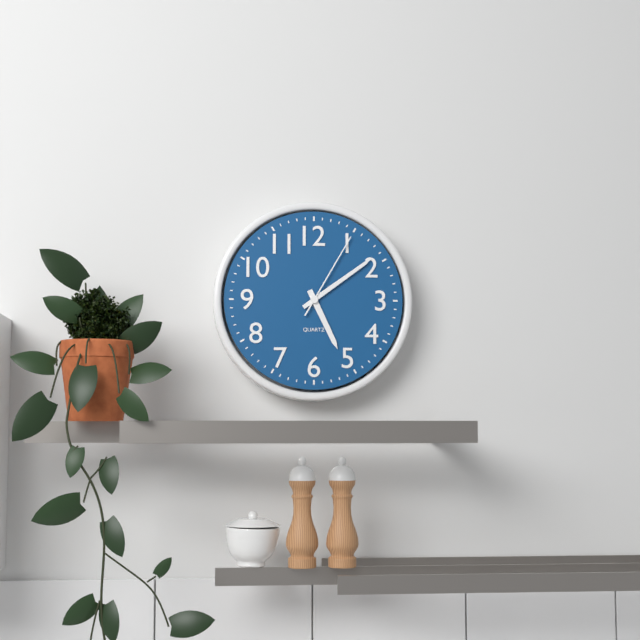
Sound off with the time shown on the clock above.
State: 5:09:05
